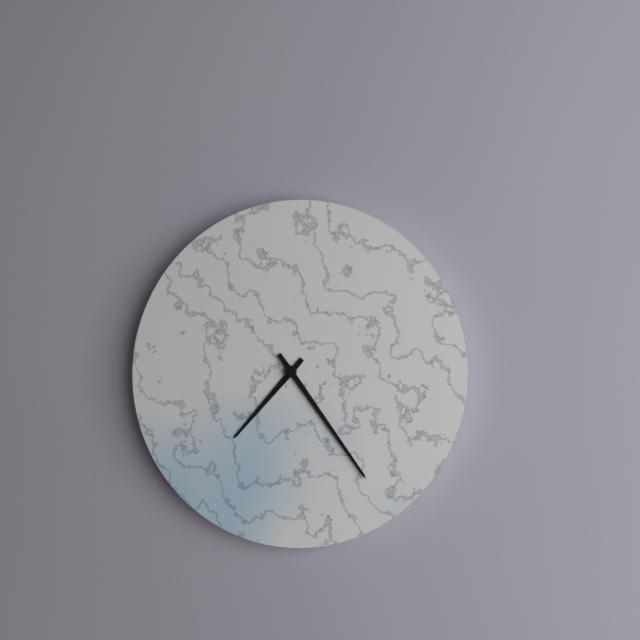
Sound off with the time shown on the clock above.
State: 7:24
